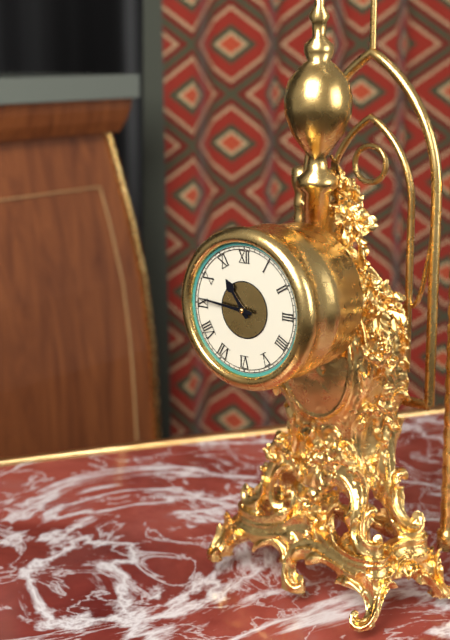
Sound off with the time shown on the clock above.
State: 10:46
